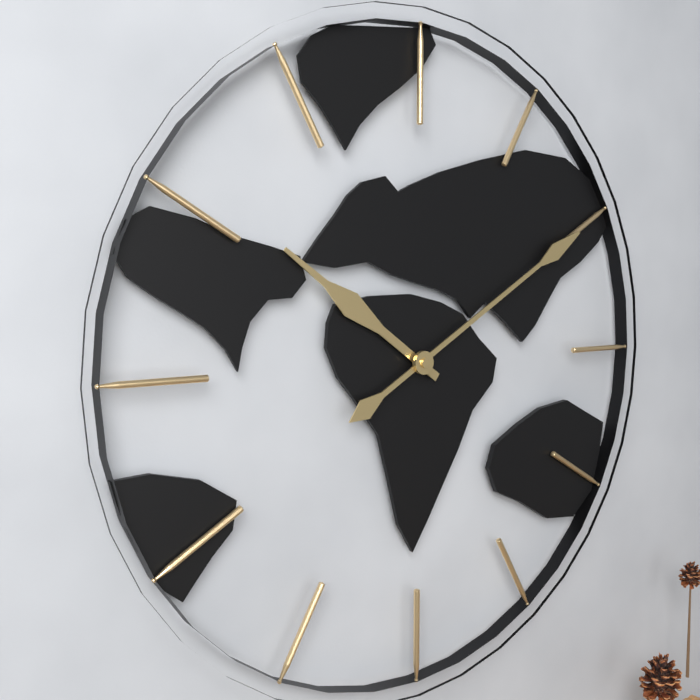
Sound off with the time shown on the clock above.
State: 10:10
